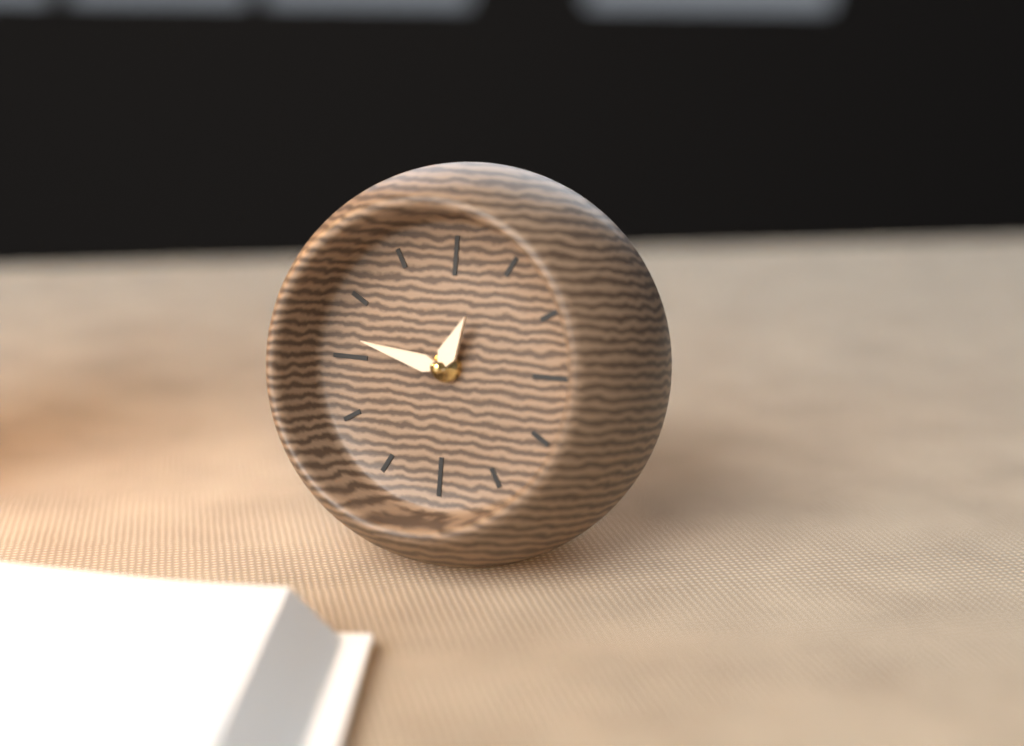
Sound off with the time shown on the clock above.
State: 12:47
